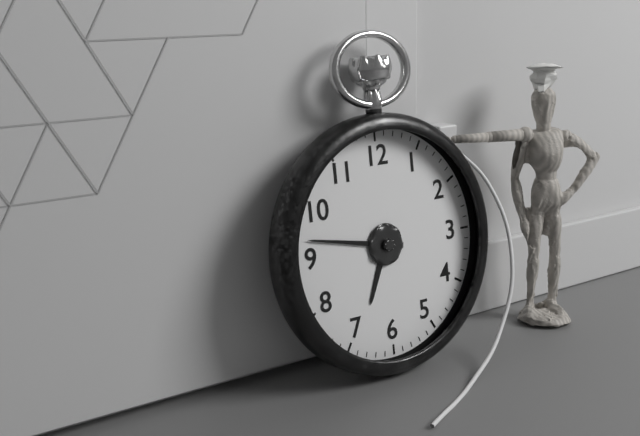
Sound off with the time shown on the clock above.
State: 6:47
